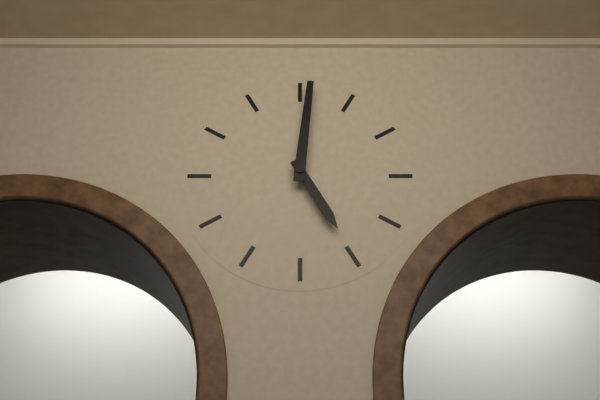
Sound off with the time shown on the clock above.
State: 5:01
